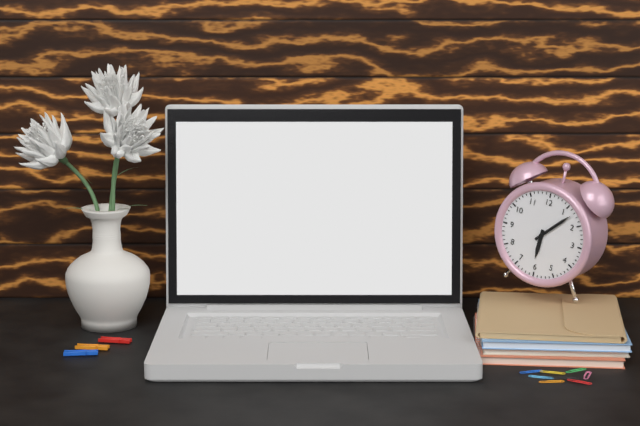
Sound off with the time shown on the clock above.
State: 6:07
